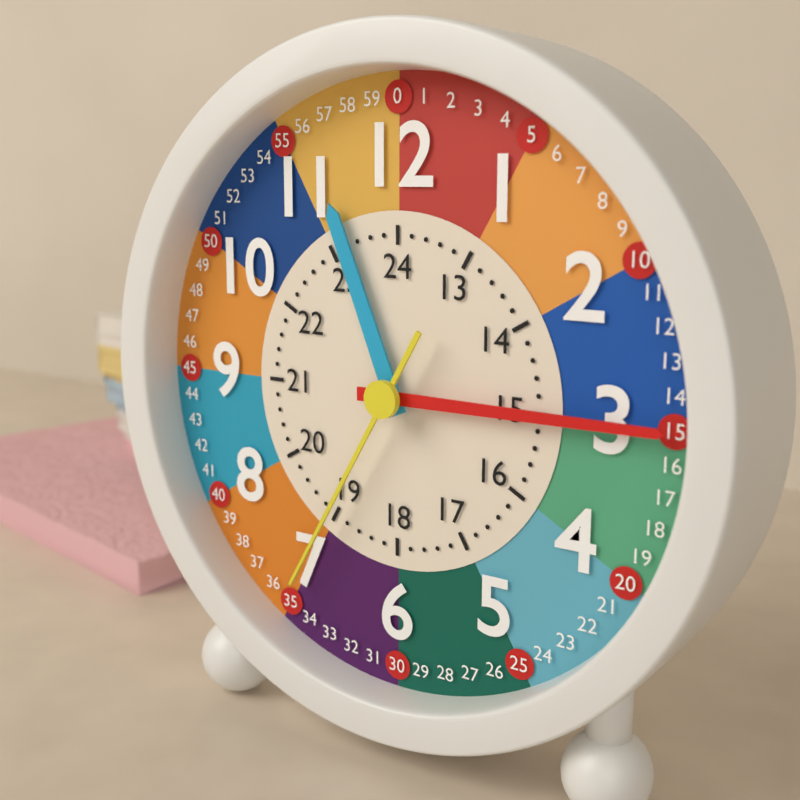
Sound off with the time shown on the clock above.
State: 11:15:35
